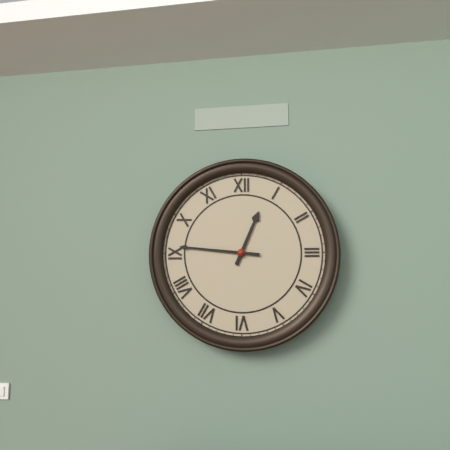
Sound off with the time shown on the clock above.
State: 12:46
